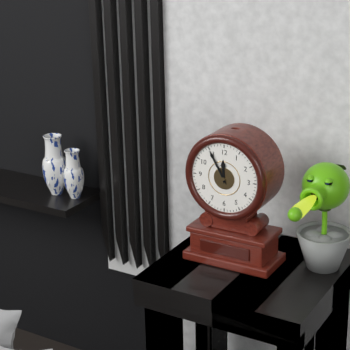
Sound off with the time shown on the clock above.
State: 11:55
